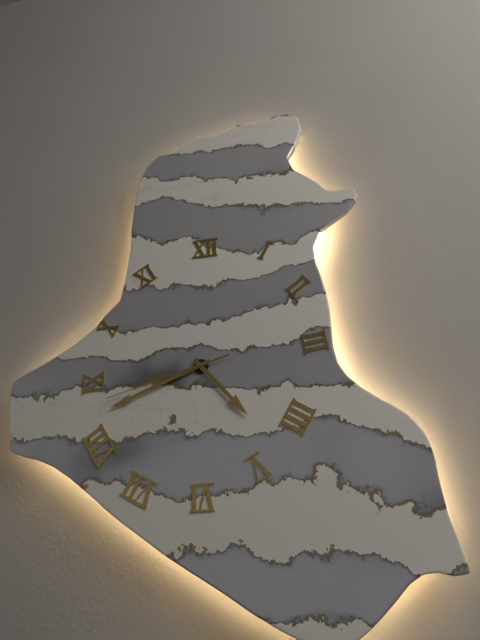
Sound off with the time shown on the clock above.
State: 4:42:43
